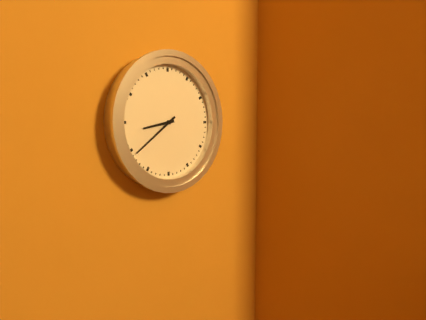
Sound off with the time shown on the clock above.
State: 8:39
